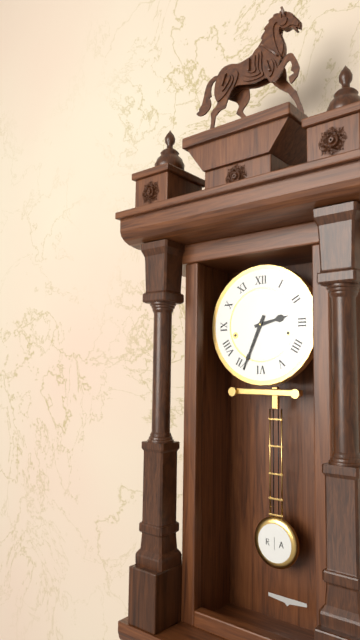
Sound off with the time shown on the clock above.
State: 2:34
